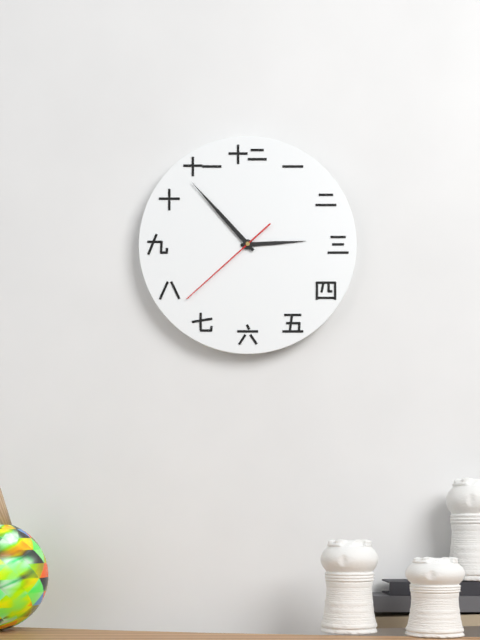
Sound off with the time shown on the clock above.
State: 2:53:38
